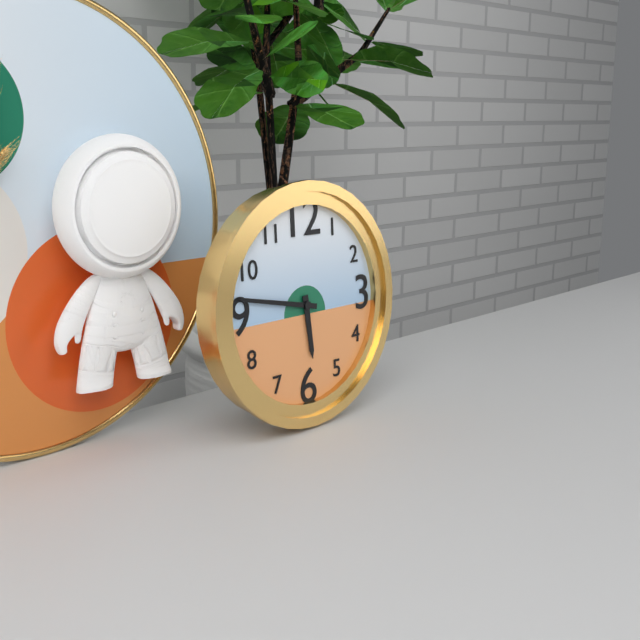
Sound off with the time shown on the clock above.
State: 5:47
